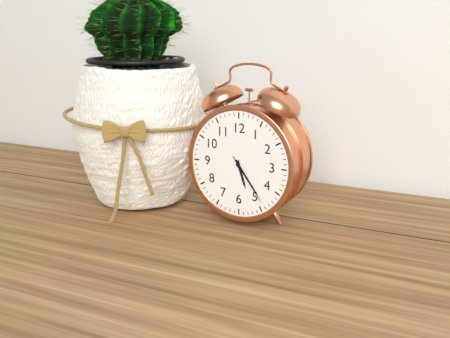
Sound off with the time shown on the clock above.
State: 5:24:24
